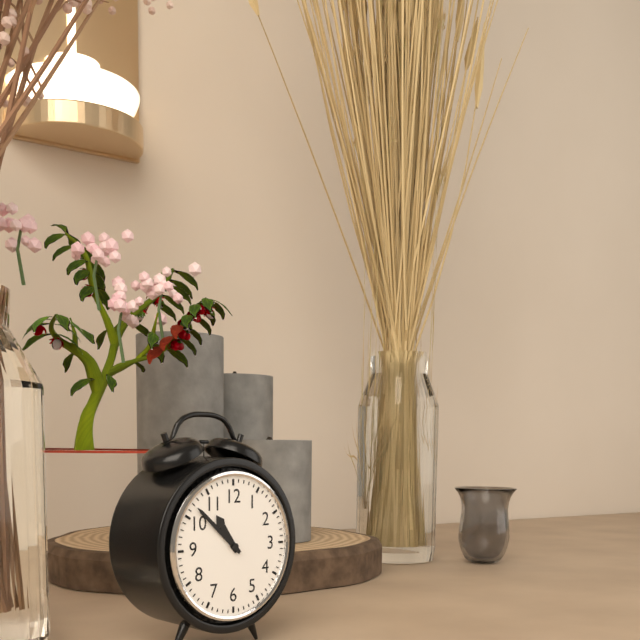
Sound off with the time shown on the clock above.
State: 10:52
